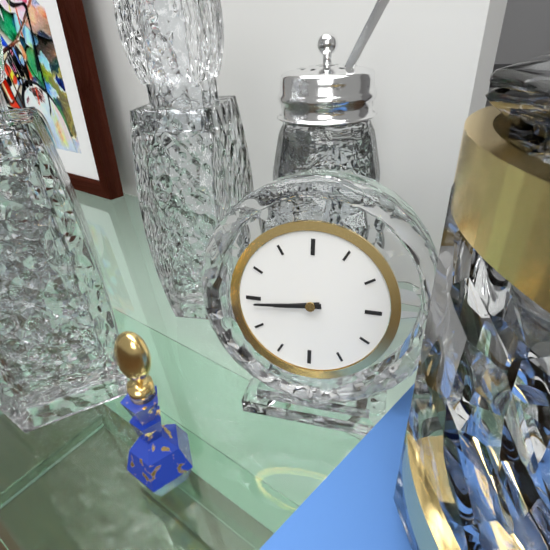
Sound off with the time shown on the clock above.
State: 8:44
